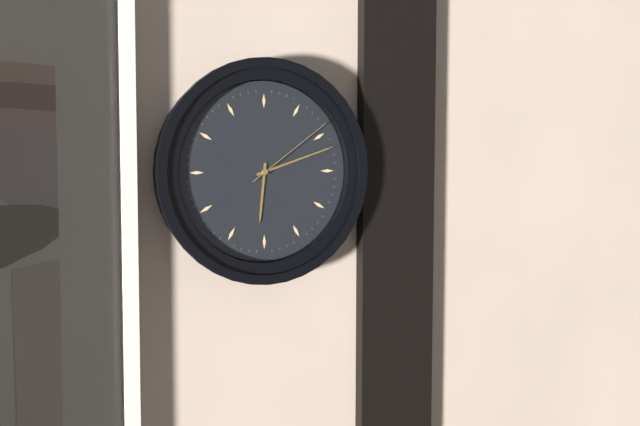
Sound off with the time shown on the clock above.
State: 6:12:09
